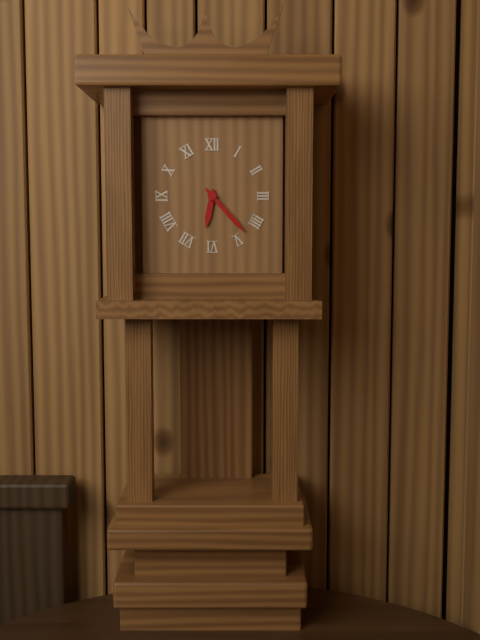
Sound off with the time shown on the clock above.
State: 6:23
